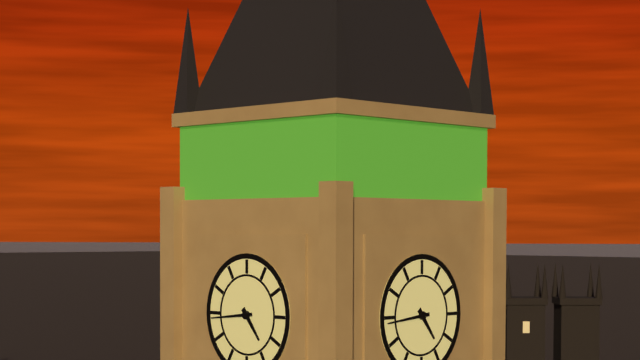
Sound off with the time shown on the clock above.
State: 4:44
